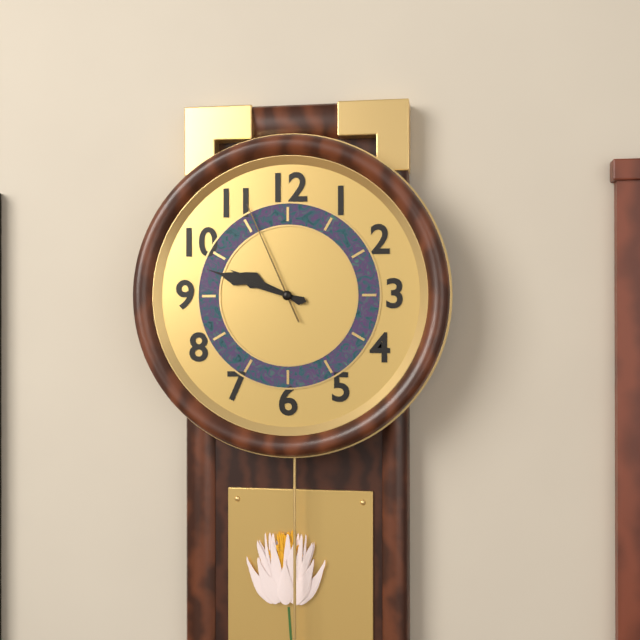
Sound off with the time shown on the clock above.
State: 9:48:56
